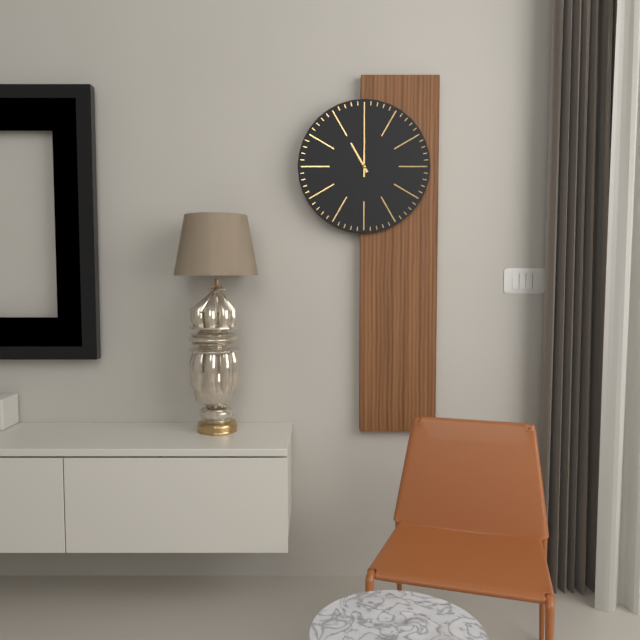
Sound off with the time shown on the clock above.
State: 11:00
